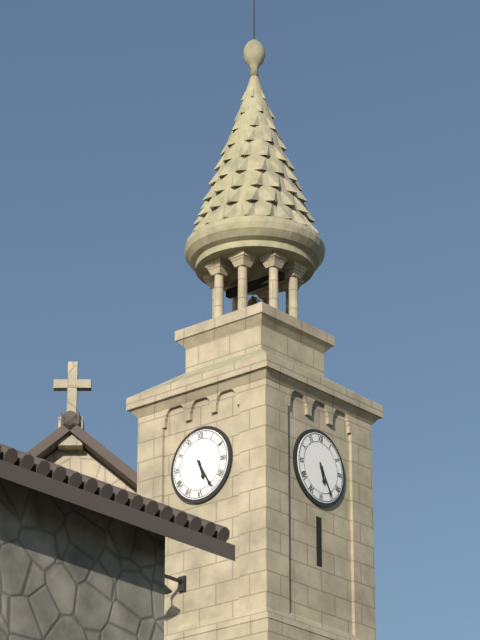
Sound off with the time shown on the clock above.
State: 5:25
